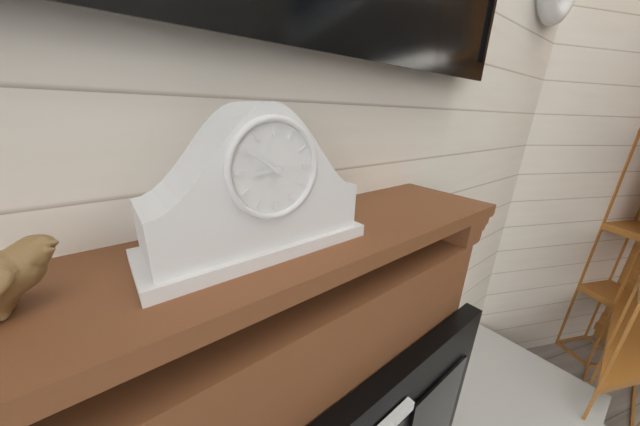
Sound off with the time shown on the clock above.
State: 8:51
